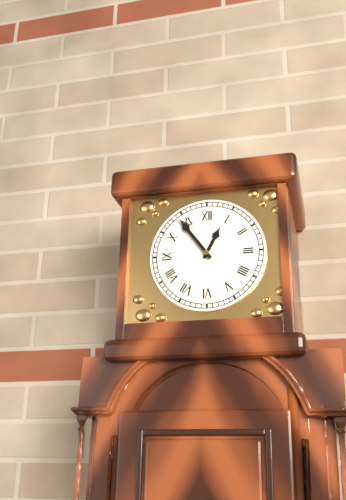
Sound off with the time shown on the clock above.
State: 12:54
